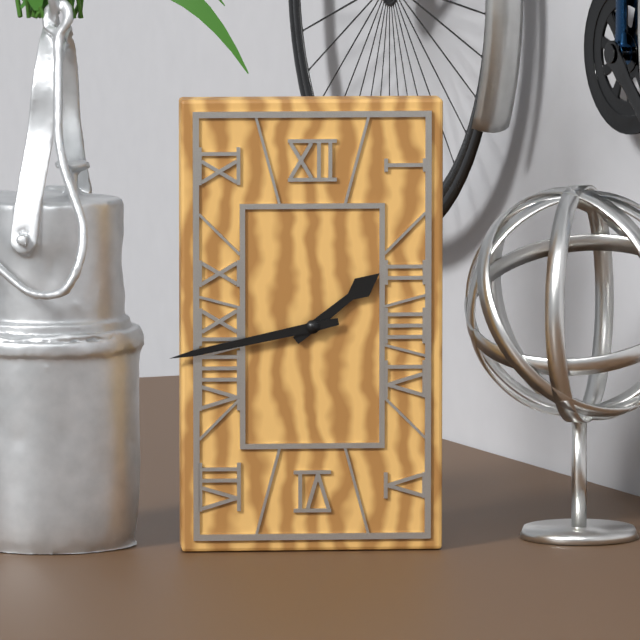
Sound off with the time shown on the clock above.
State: 1:43
